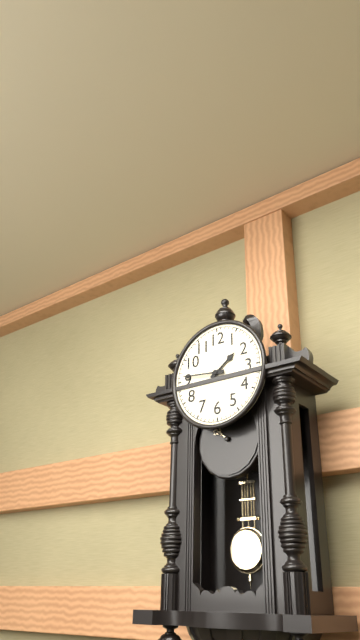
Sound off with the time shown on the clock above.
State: 1:46
